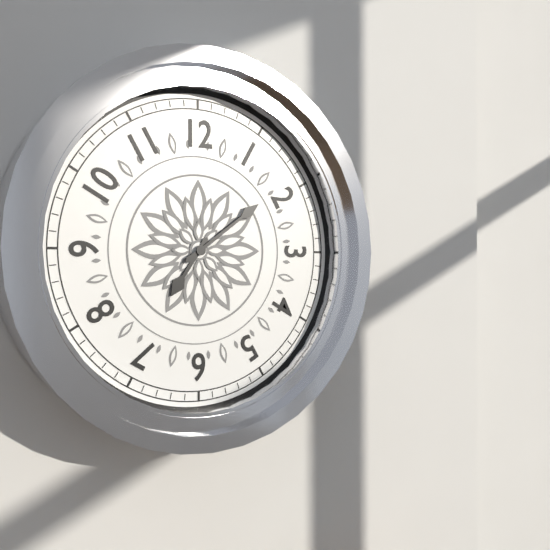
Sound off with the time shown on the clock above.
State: 7:09
